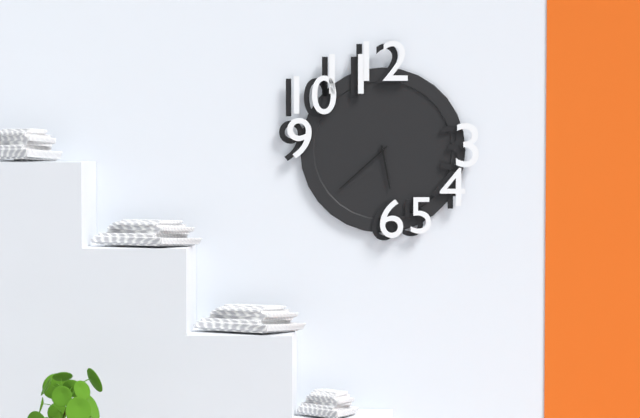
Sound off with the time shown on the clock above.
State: 5:38
